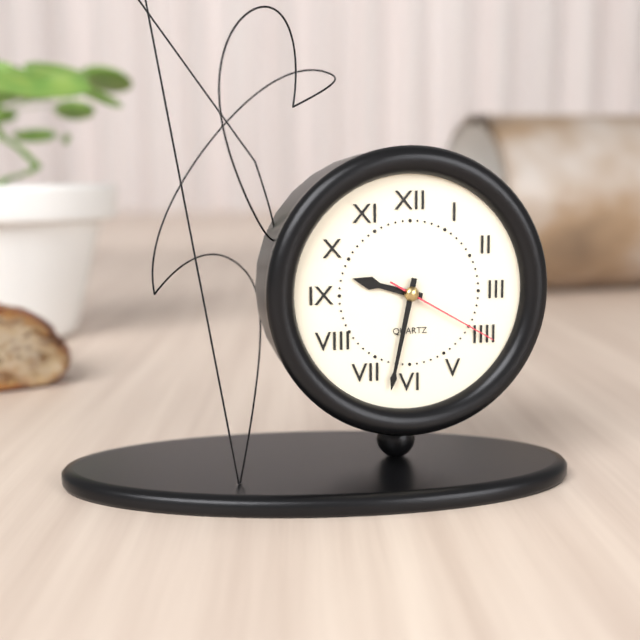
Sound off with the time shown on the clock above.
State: 9:32:20
